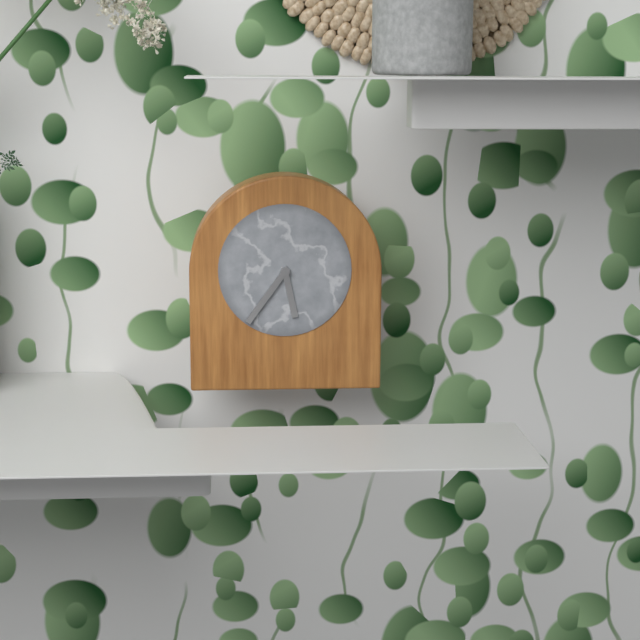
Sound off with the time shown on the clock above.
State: 5:36
